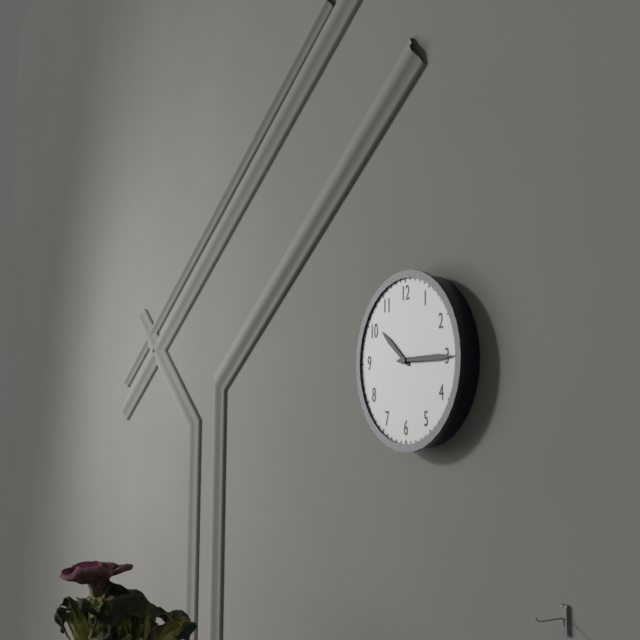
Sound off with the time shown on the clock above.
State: 10:15
